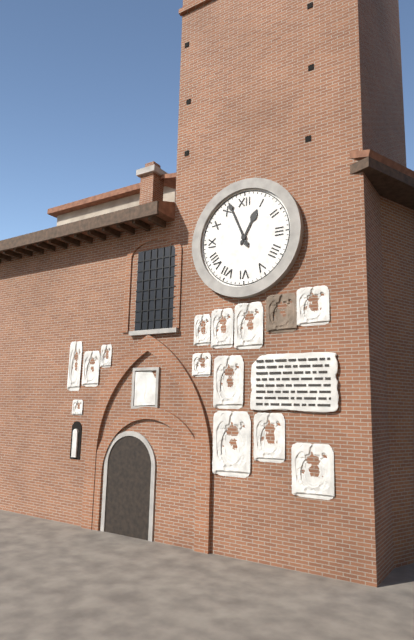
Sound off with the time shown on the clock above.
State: 12:56
